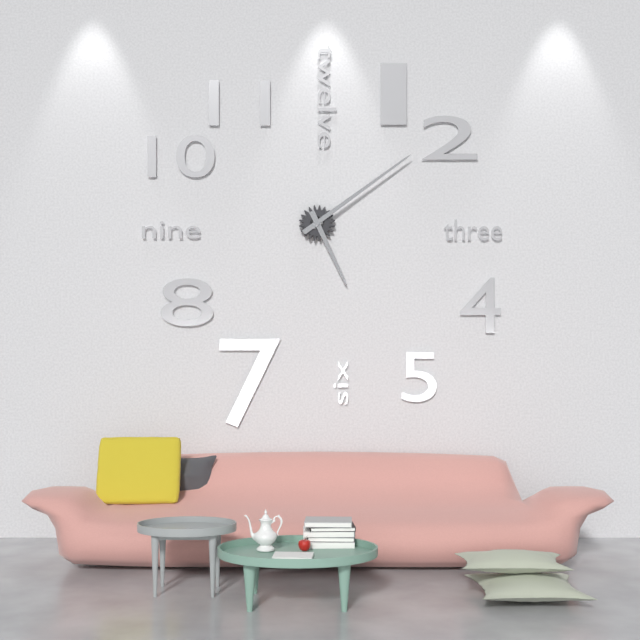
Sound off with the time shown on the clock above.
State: 5:09
